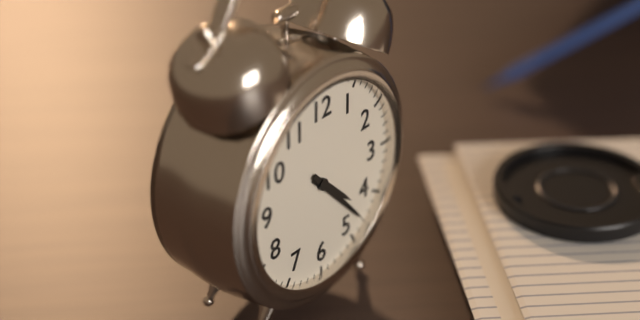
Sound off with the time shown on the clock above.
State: 4:23
